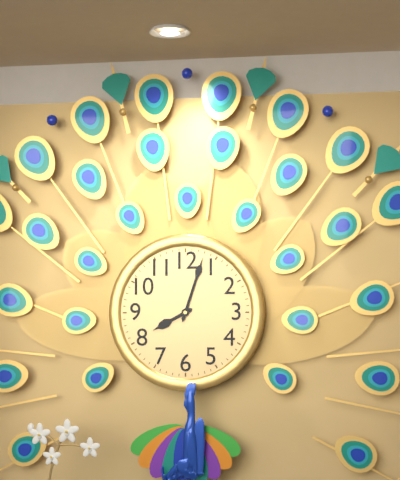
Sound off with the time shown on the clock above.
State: 8:03
